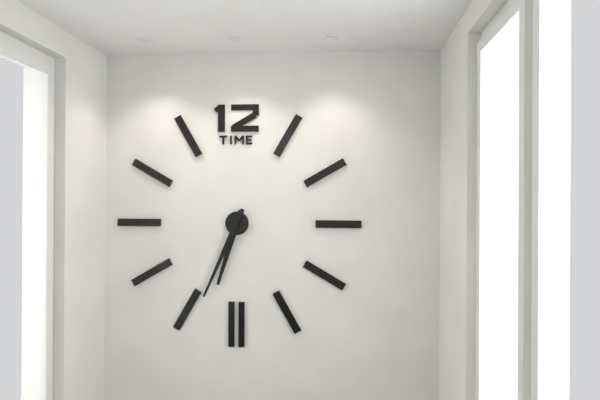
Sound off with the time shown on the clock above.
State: 6:34
